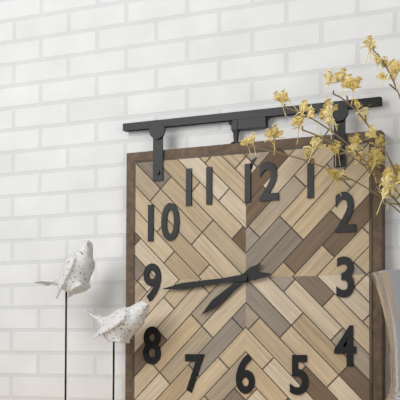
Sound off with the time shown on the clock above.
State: 7:44
